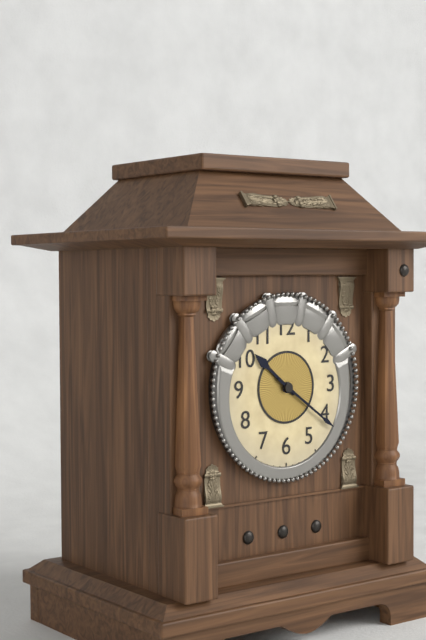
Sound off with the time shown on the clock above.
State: 10:21
